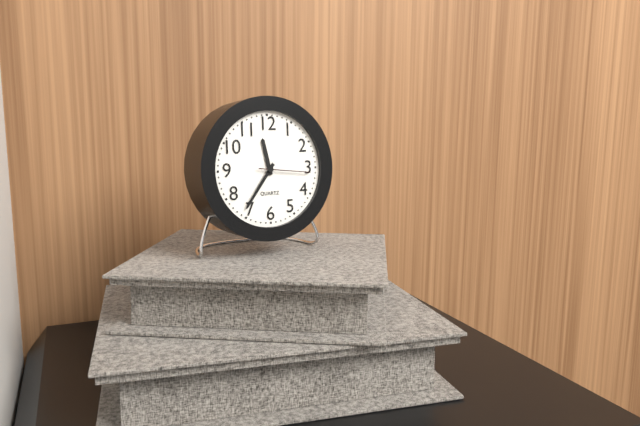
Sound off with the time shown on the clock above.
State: 11:36:16
